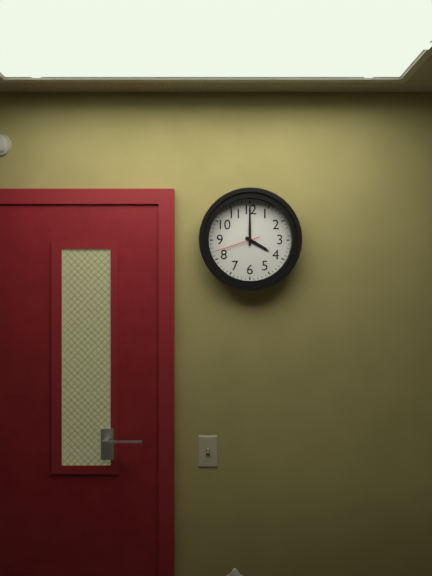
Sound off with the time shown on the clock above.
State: 4:00
